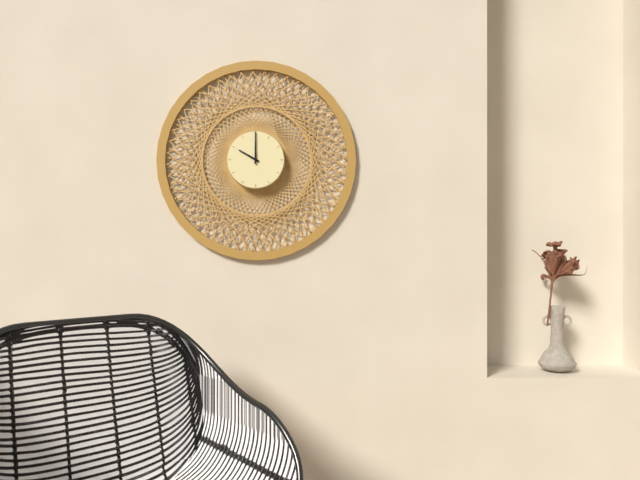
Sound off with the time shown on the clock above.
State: 10:00
